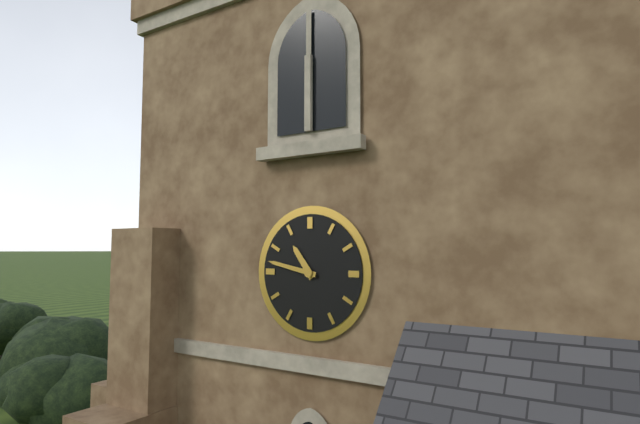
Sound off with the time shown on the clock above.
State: 10:47
